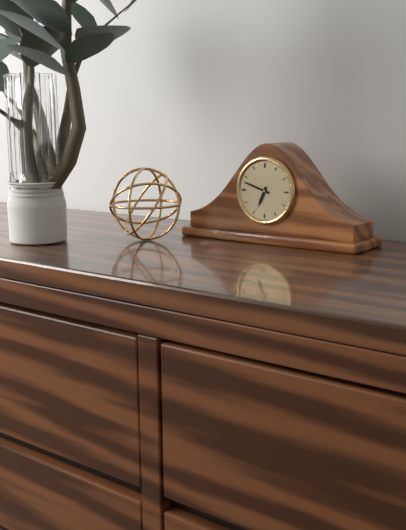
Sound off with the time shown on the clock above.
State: 6:48
